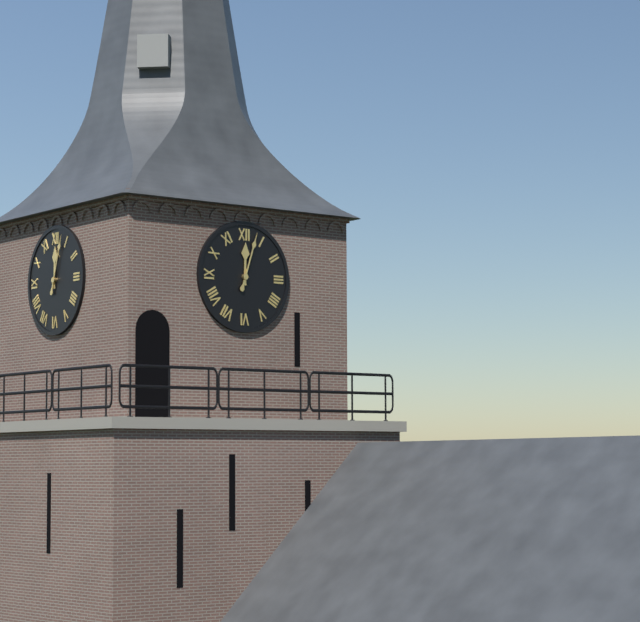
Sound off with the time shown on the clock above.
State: 12:03
